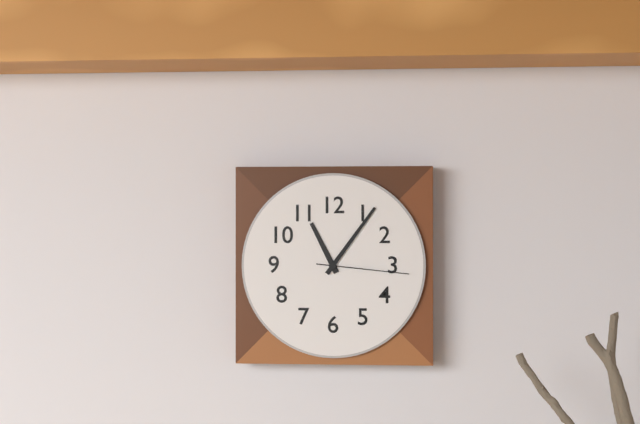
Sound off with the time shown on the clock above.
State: 11:06:16
